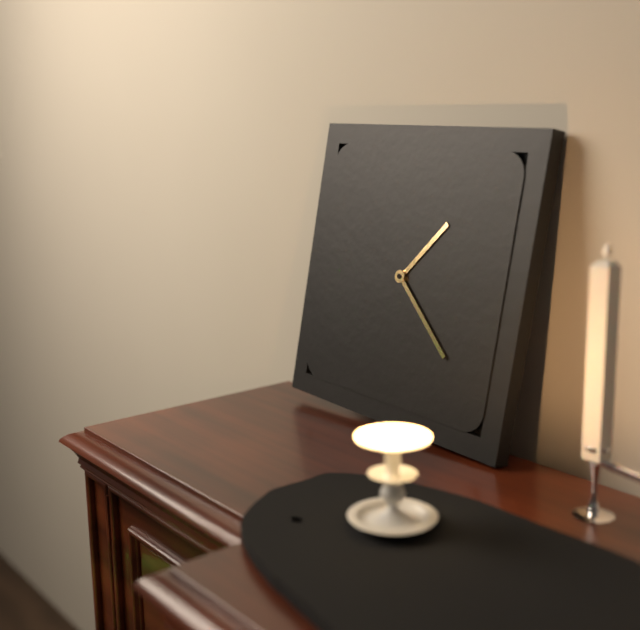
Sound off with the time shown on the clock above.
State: 1:22
